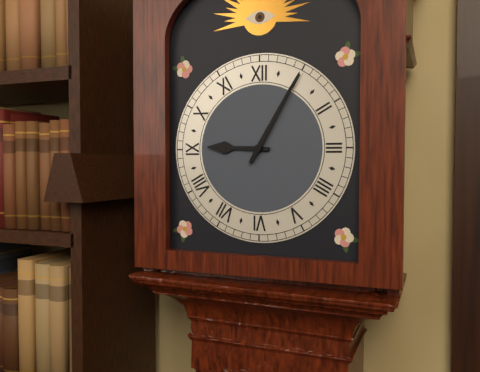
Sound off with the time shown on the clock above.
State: 9:05
